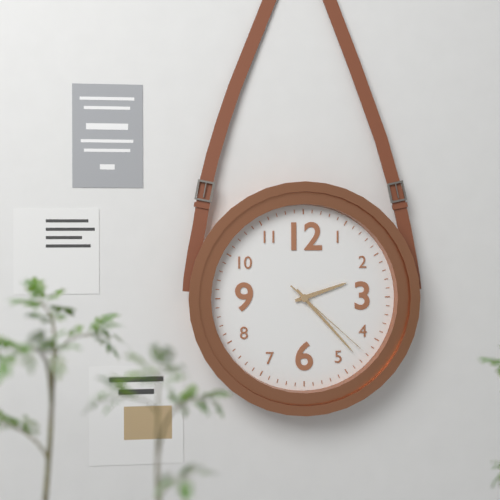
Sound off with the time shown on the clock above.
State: 2:23:22
